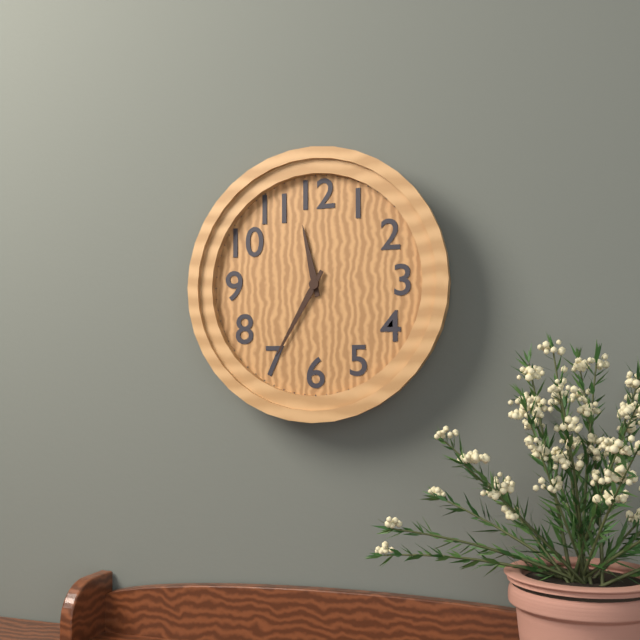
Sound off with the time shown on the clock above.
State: 11:35
